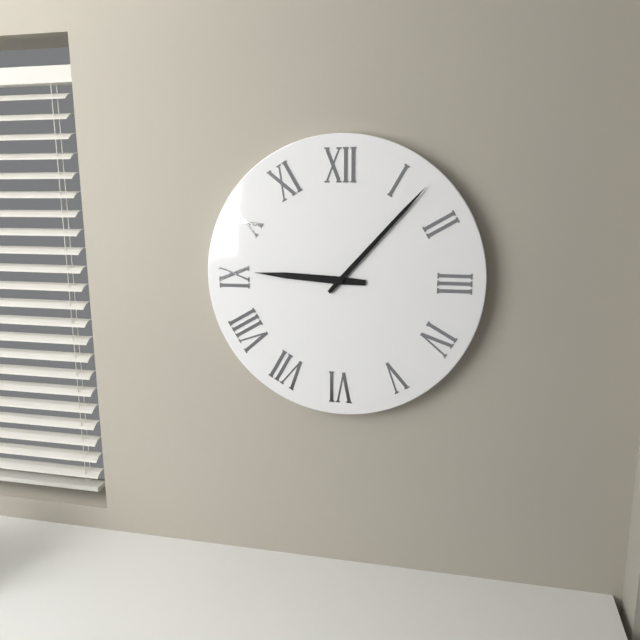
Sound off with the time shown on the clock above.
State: 9:07
